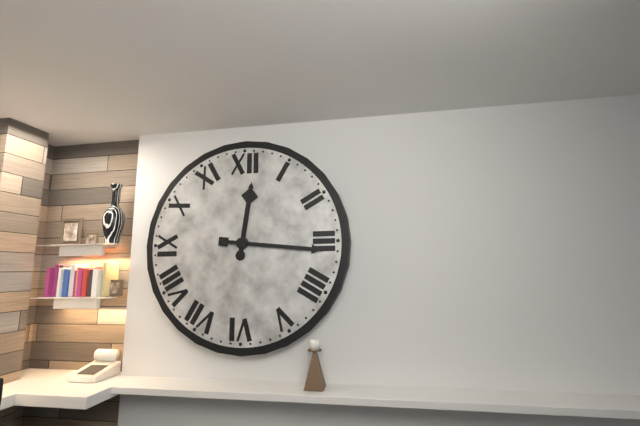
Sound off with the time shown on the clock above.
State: 12:16
